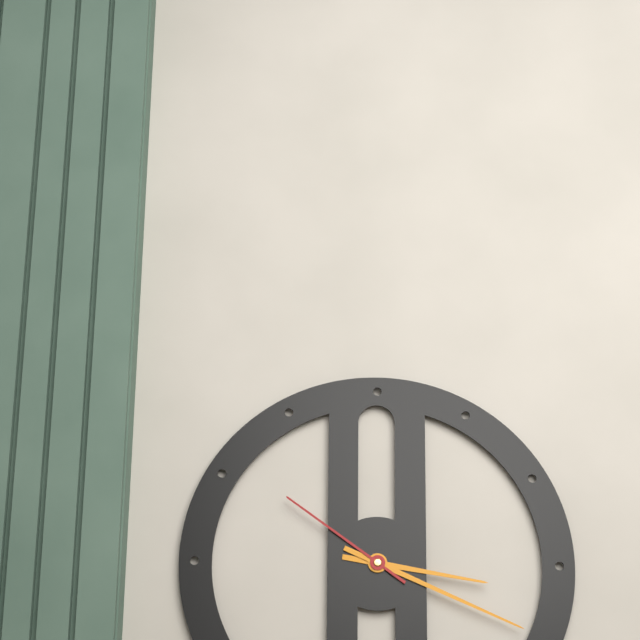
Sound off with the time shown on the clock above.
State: 3:19:51
